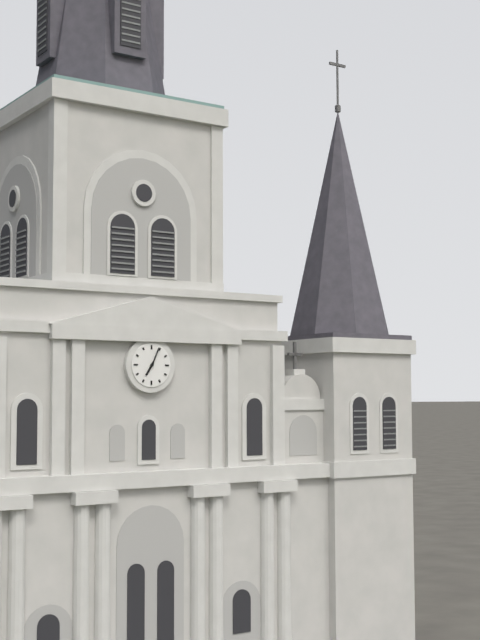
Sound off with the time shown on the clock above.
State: 7:04
